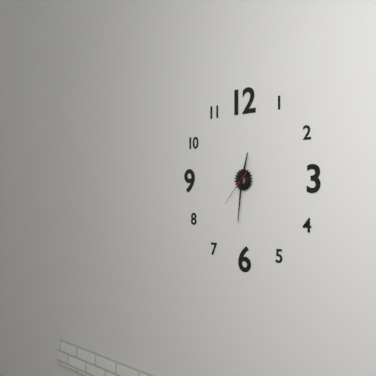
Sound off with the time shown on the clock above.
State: 12:31
